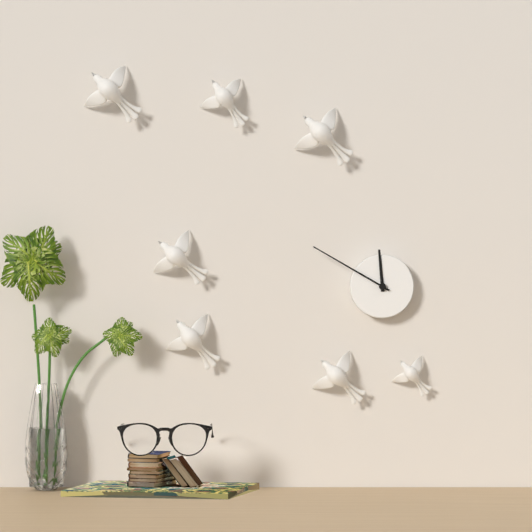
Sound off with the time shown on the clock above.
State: 11:50
